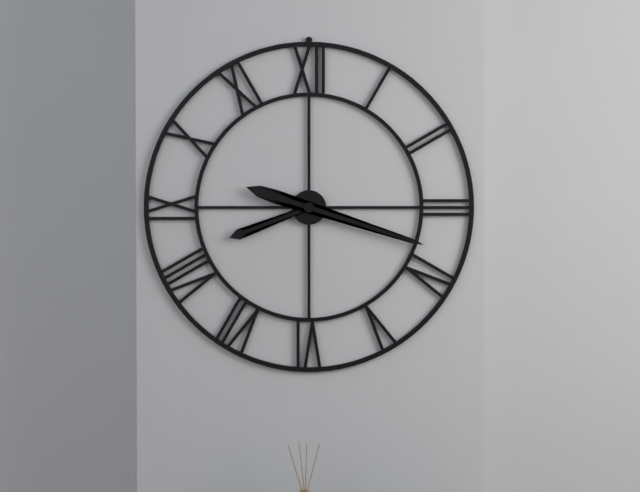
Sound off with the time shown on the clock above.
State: 8:18
